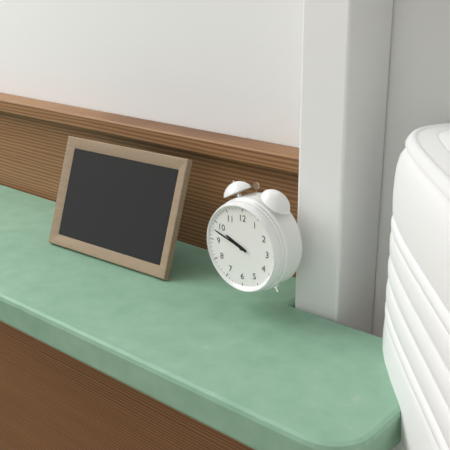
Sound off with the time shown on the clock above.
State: 9:48
